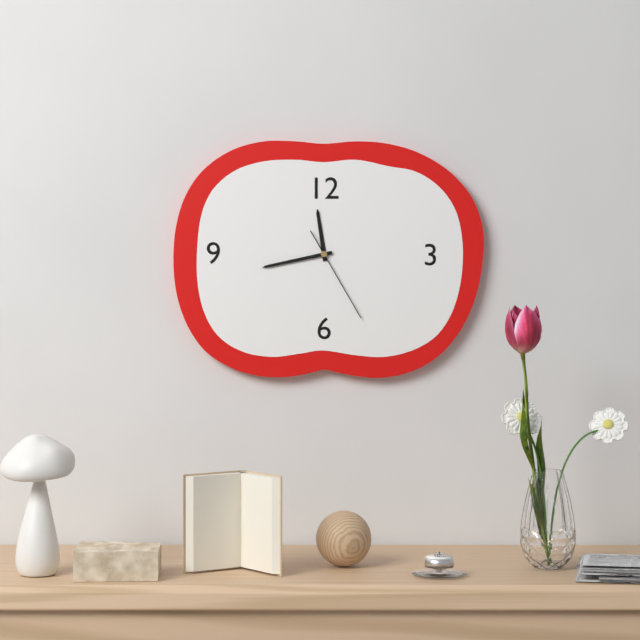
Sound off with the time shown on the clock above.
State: 11:43:25
